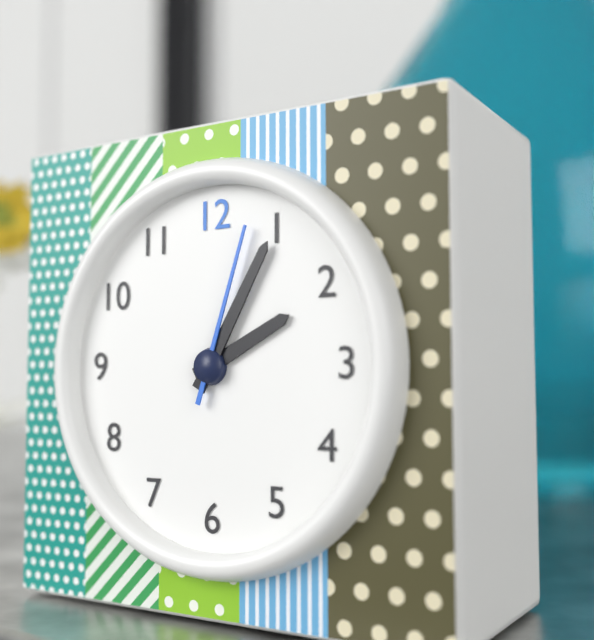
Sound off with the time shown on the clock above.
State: 2:05:03
